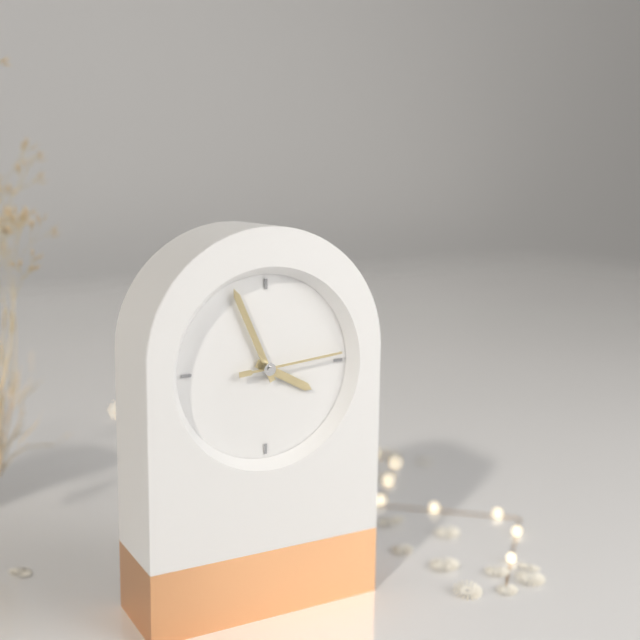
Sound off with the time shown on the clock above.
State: 3:56:14
